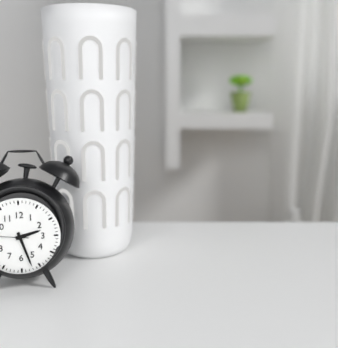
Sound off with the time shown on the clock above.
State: 2:27
